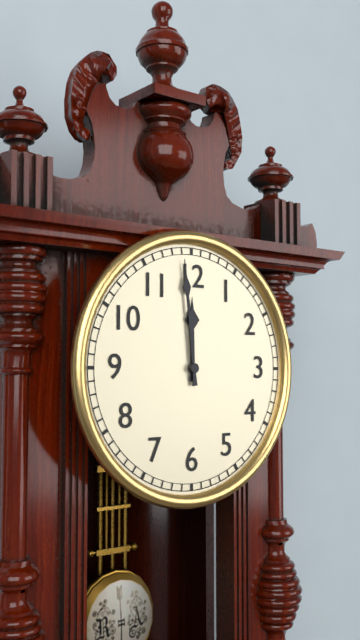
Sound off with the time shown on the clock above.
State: 11:59
